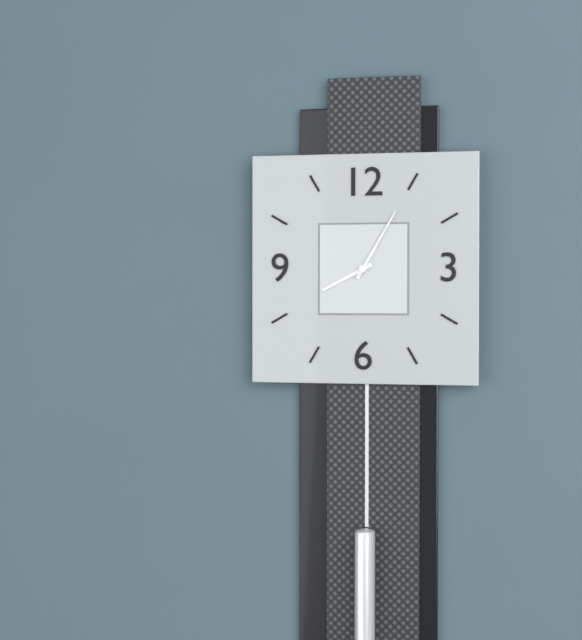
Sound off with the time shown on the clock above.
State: 8:05
